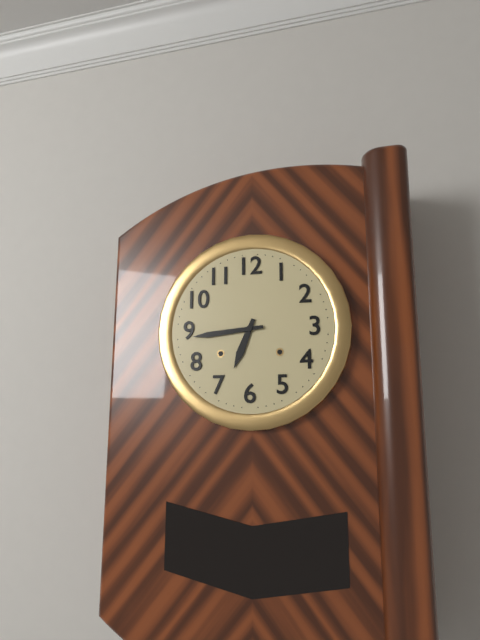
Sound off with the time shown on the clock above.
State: 6:44
